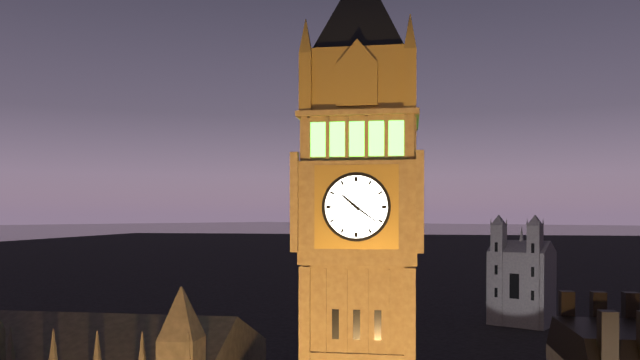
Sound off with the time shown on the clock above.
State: 10:21
